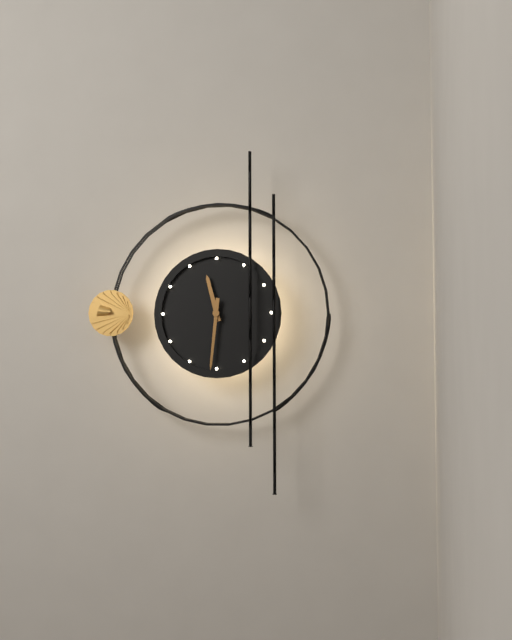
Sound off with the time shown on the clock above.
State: 11:31
